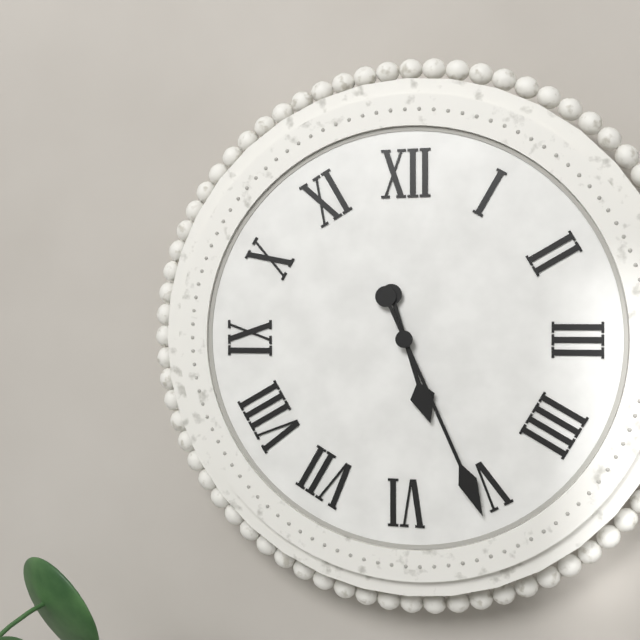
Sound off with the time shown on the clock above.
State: 5:26
